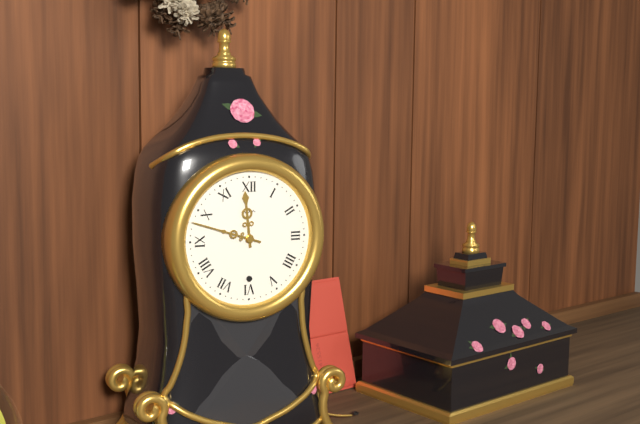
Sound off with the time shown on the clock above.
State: 11:48
